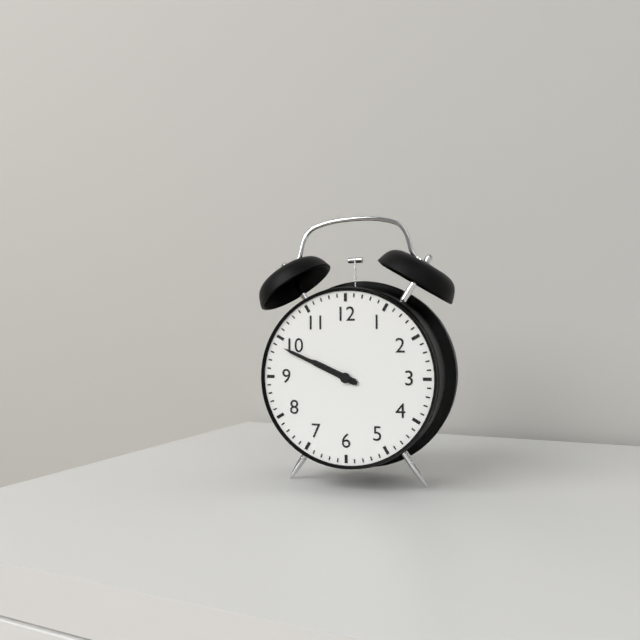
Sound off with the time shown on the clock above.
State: 9:49
